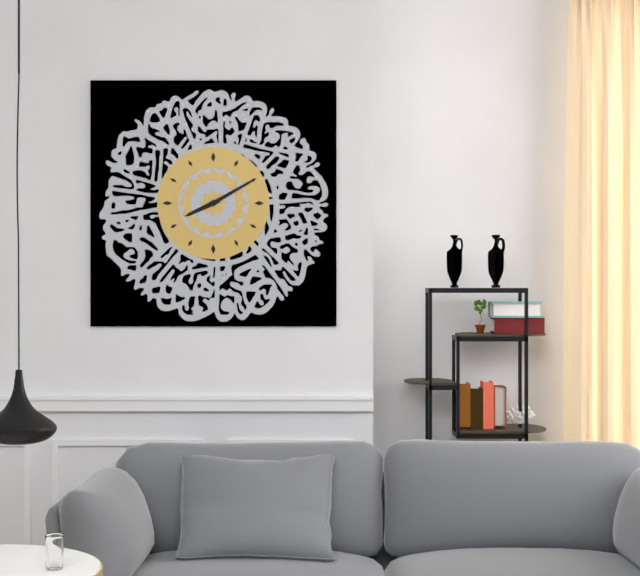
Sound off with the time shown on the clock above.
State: 8:10
